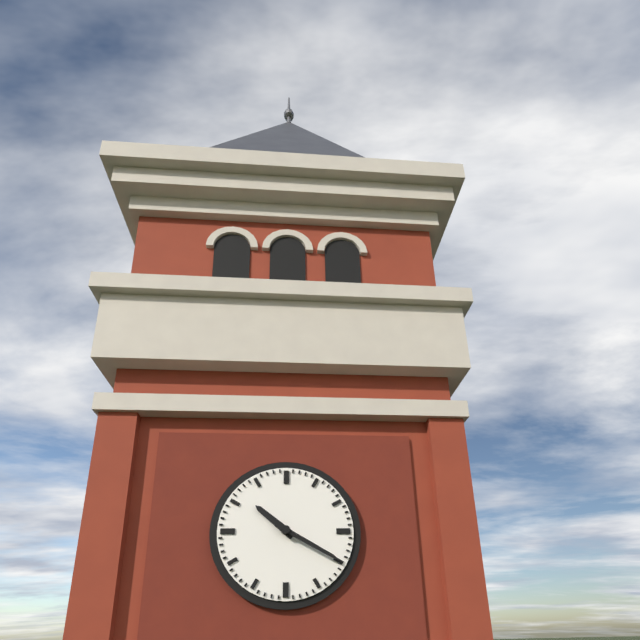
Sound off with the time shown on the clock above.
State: 10:20
